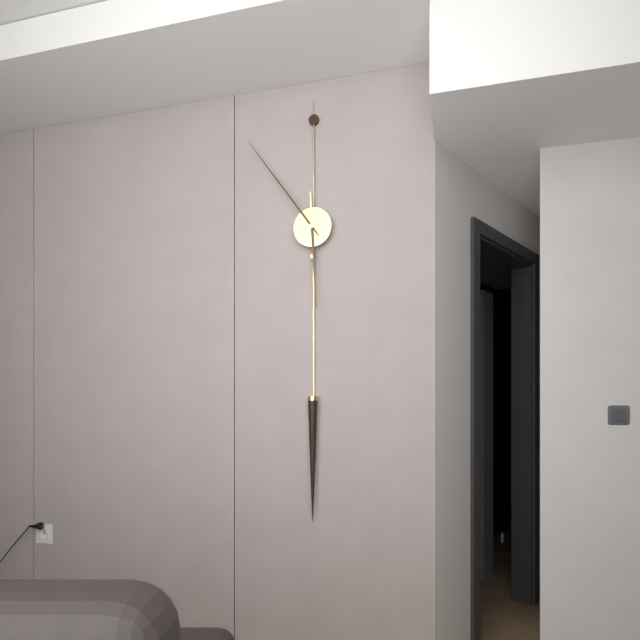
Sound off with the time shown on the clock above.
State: 5:54
